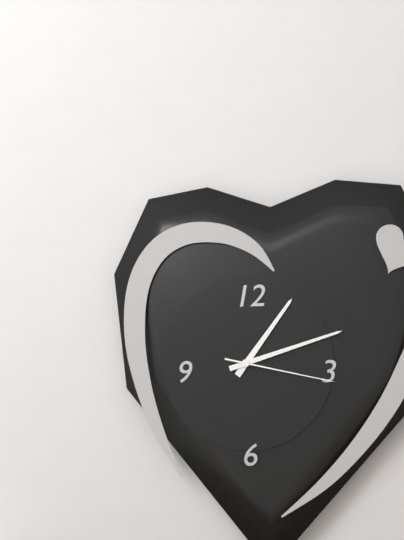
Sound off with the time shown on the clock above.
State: 1:12:17
